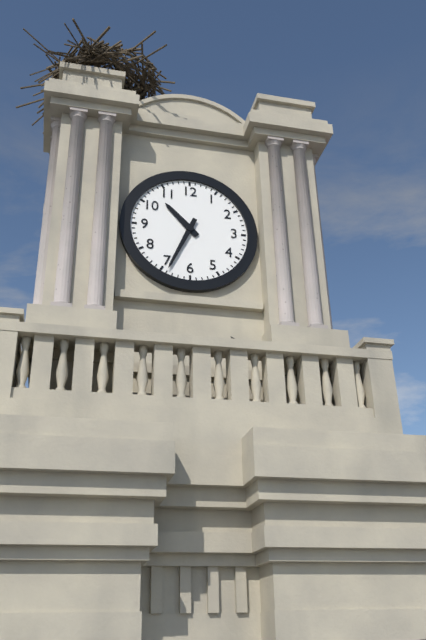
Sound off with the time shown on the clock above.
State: 10:34
